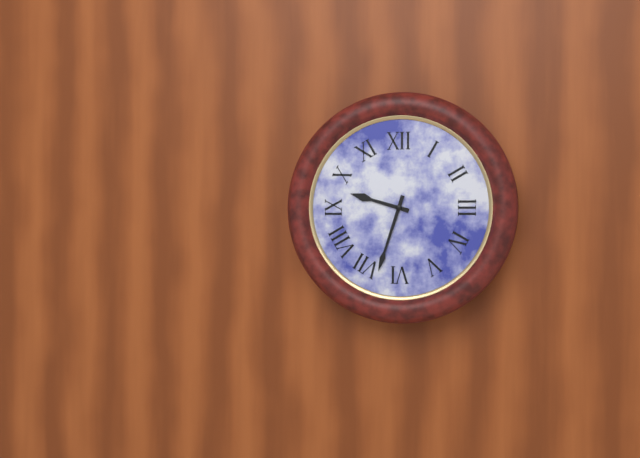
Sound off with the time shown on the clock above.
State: 9:33
